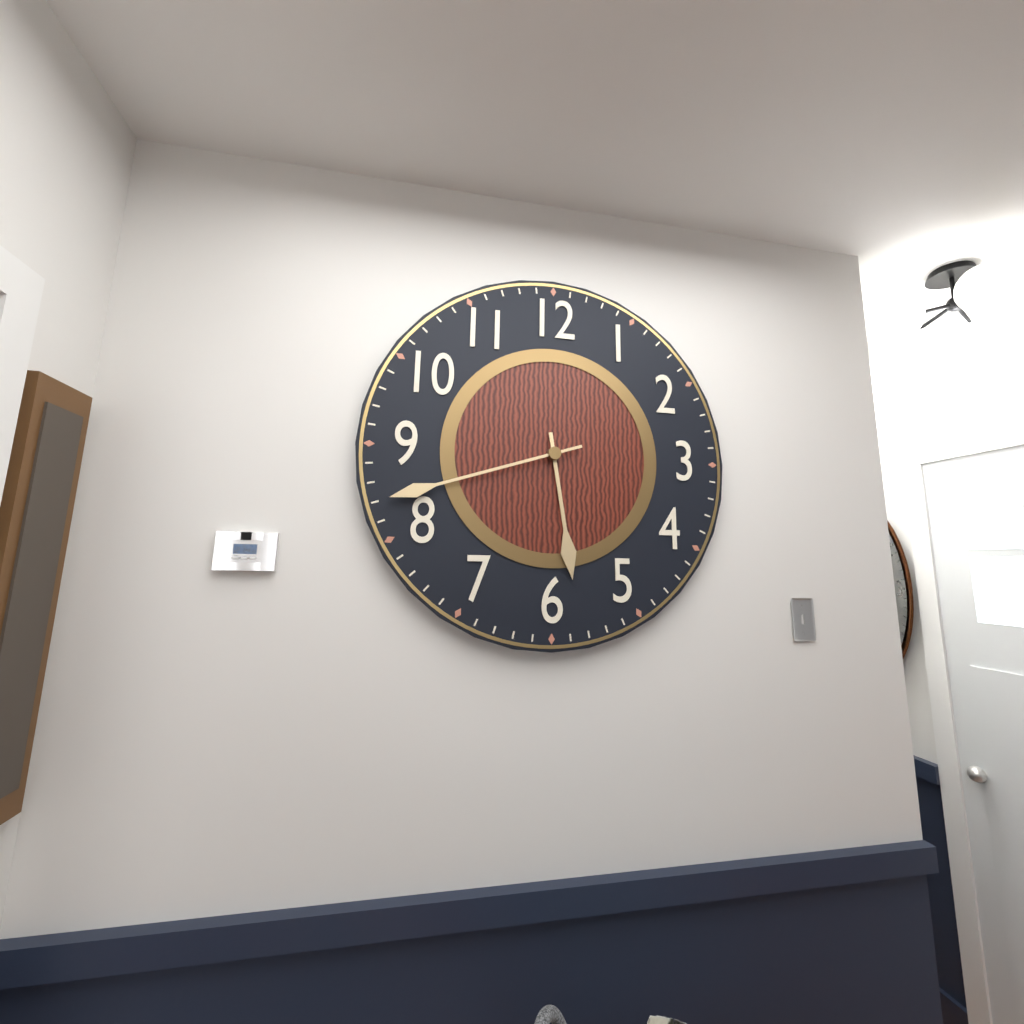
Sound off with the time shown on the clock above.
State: 5:42
